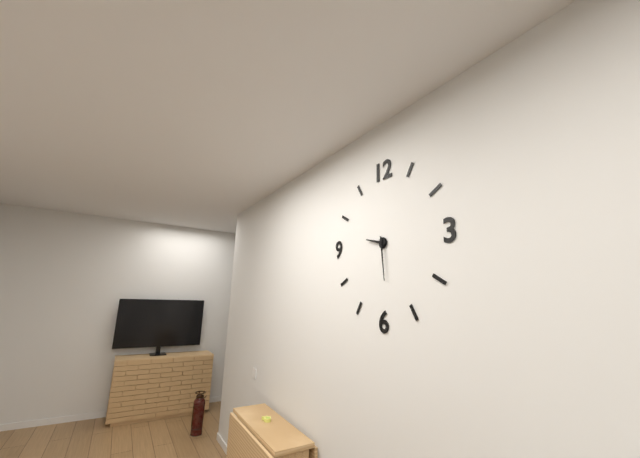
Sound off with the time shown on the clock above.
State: 9:29
